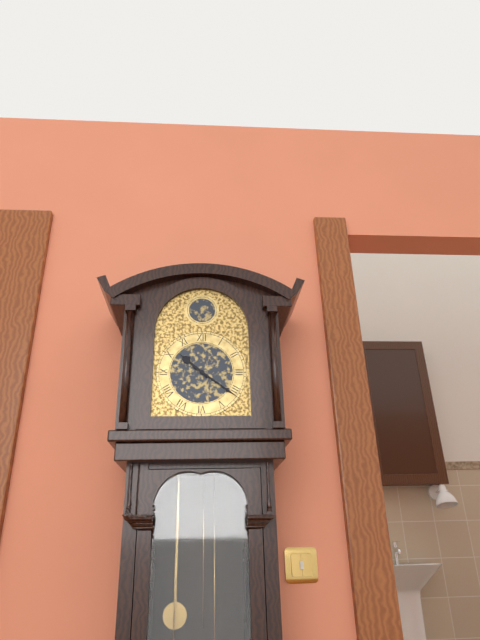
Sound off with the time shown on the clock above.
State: 10:21
